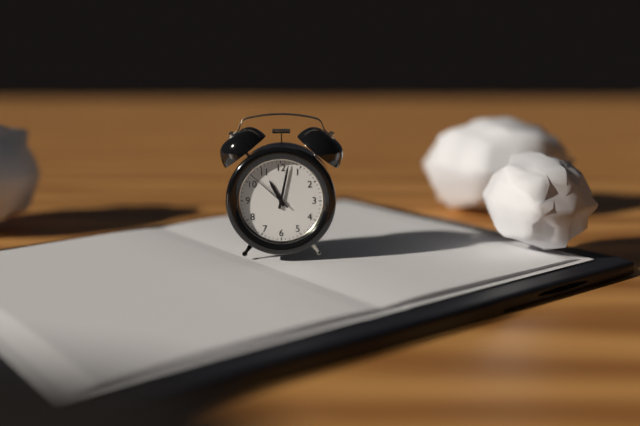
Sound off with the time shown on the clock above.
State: 11:02:52
